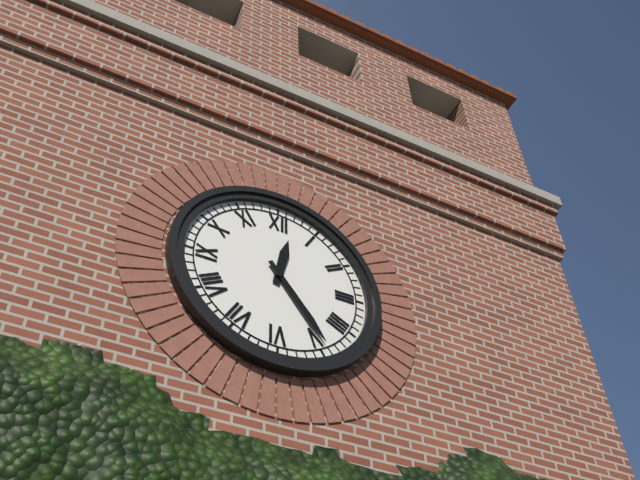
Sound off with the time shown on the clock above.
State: 12:24
